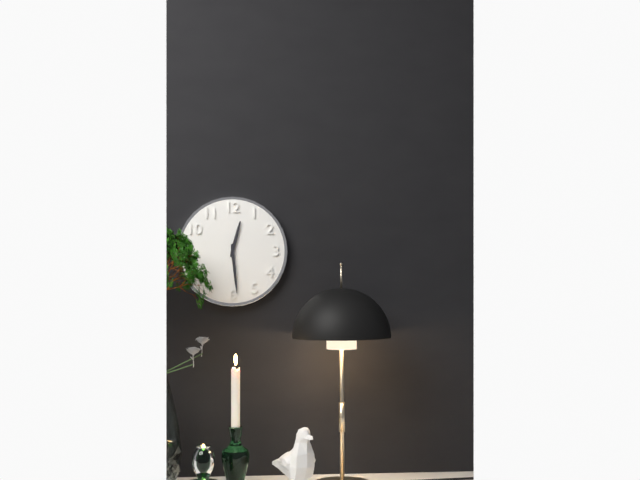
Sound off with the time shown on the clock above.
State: 12:29
